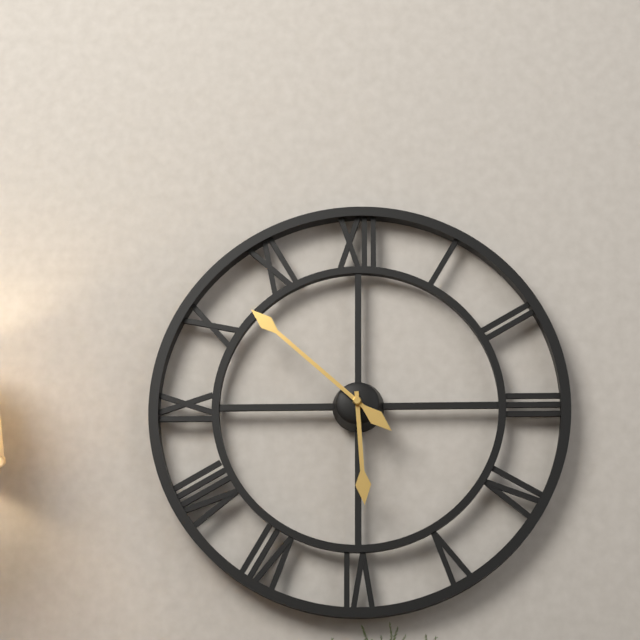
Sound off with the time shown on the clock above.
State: 5:52
